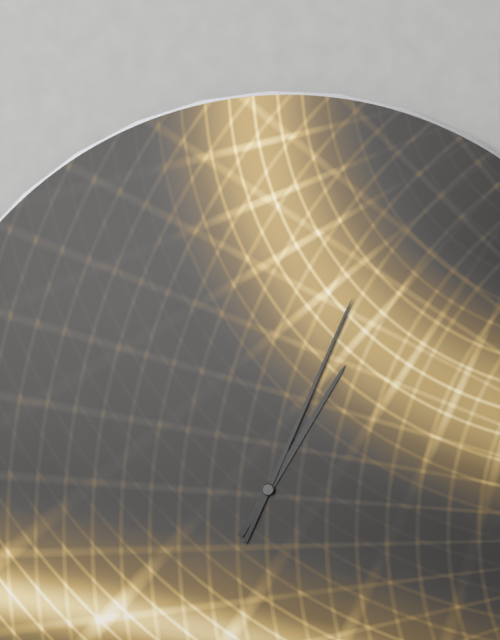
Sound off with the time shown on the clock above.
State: 1:04
